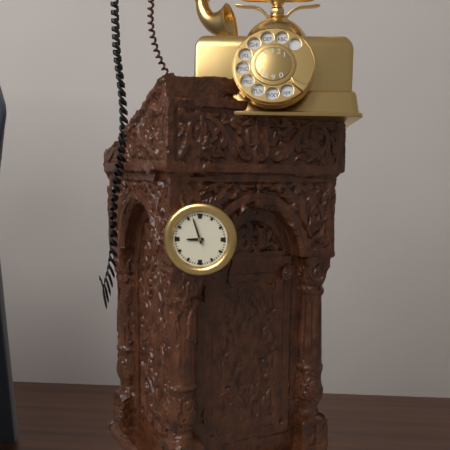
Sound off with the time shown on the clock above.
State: 8:57
